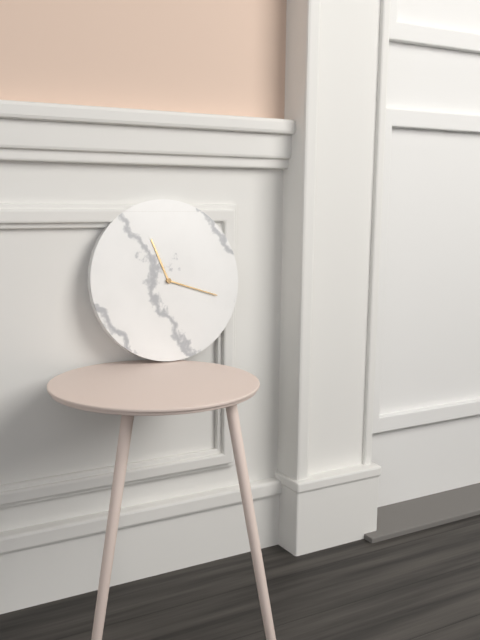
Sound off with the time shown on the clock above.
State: 11:18
